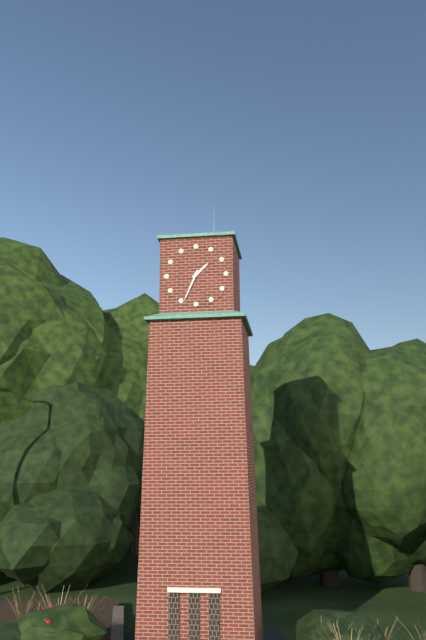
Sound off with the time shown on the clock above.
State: 1:34
